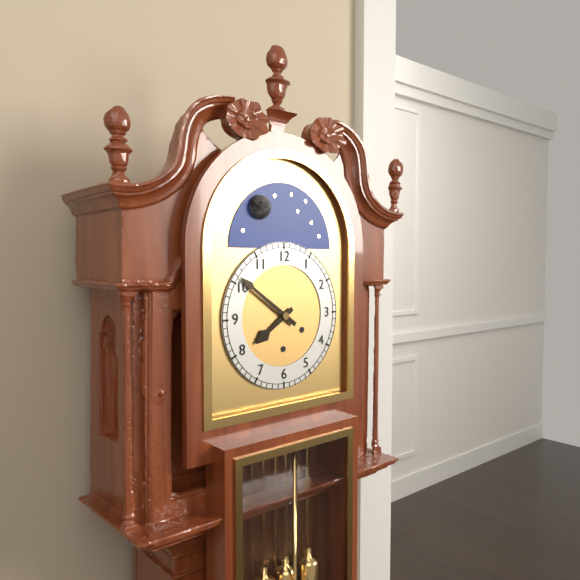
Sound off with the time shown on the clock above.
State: 7:51
